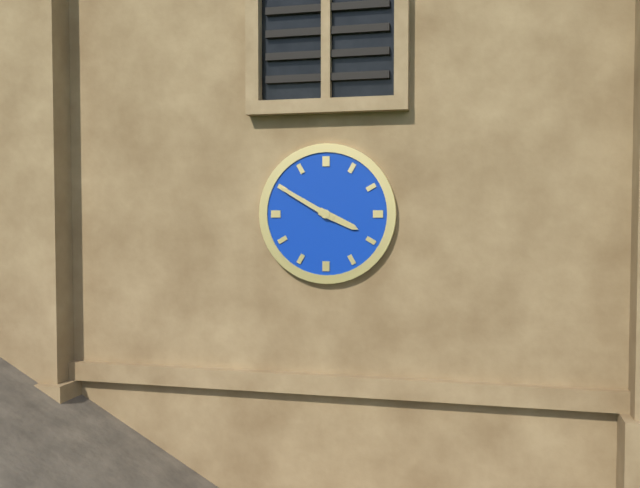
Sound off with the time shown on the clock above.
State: 3:50
